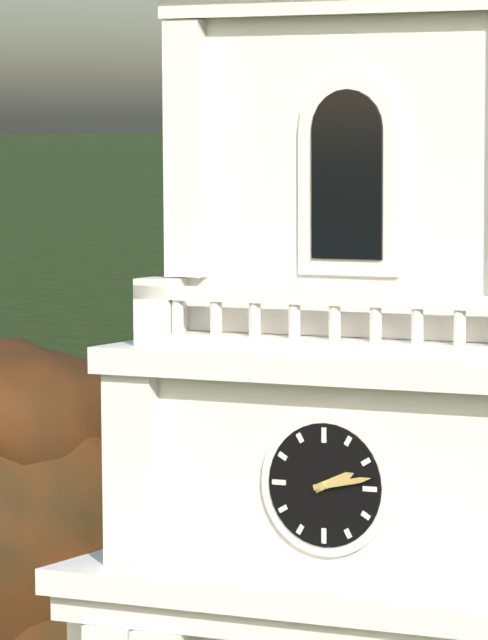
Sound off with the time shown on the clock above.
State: 2:13
